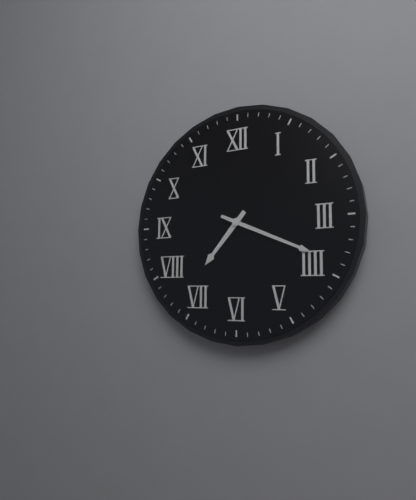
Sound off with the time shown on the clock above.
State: 7:19
